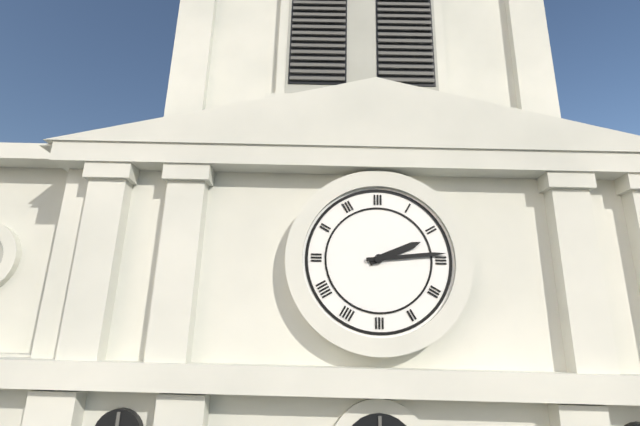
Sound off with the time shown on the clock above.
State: 2:14
